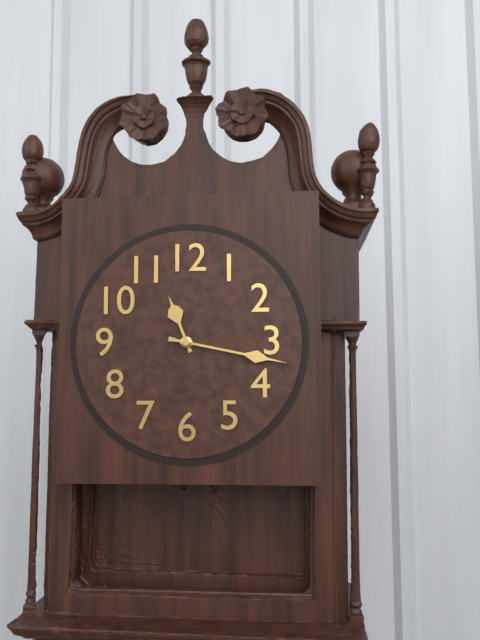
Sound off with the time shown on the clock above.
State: 11:17
